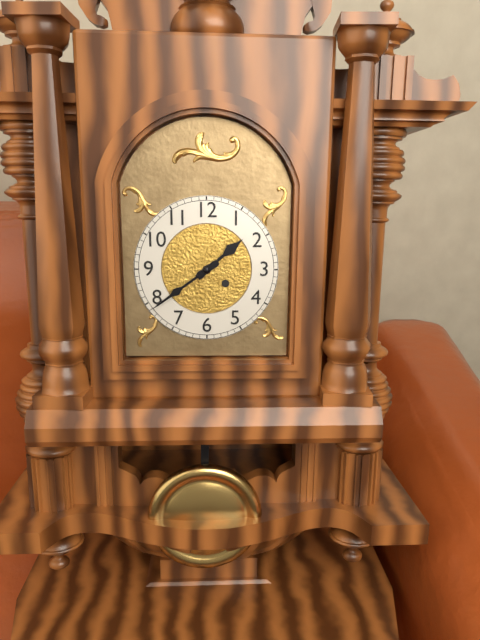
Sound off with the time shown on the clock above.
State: 1:39
